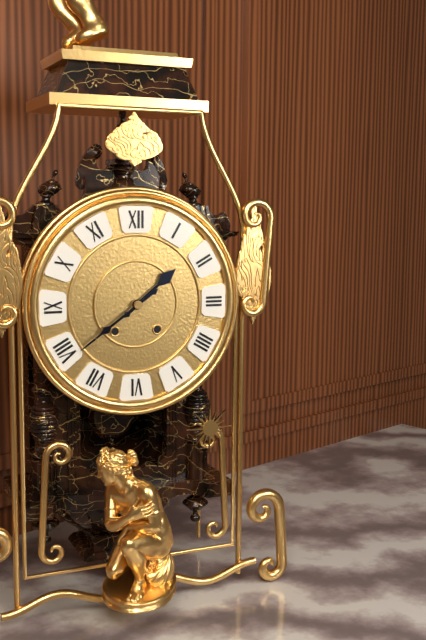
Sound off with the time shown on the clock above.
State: 1:39
